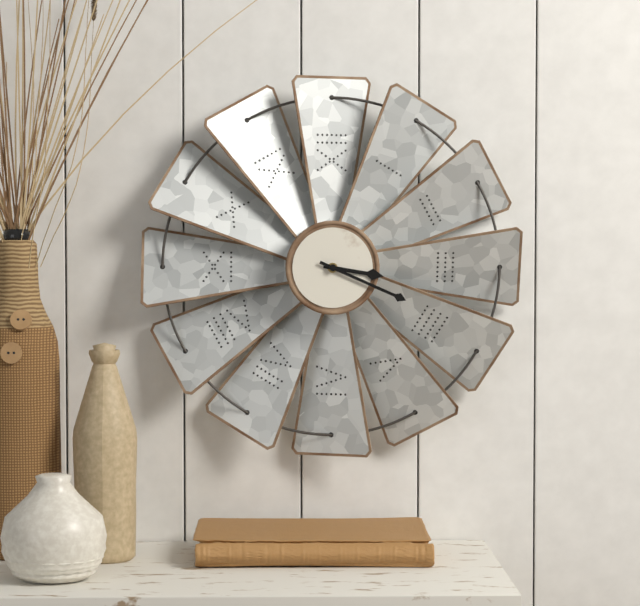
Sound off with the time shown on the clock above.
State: 3:19
